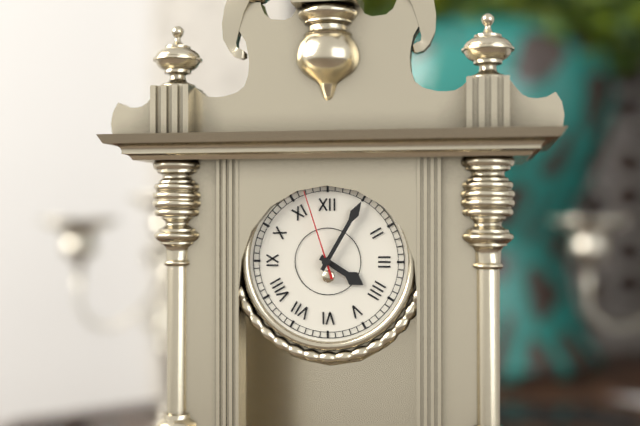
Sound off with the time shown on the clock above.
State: 4:05:57
